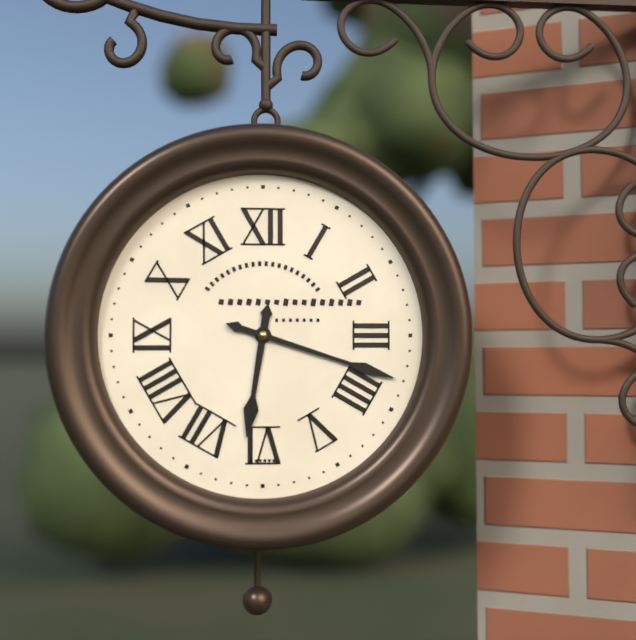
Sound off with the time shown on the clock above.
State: 6:18
